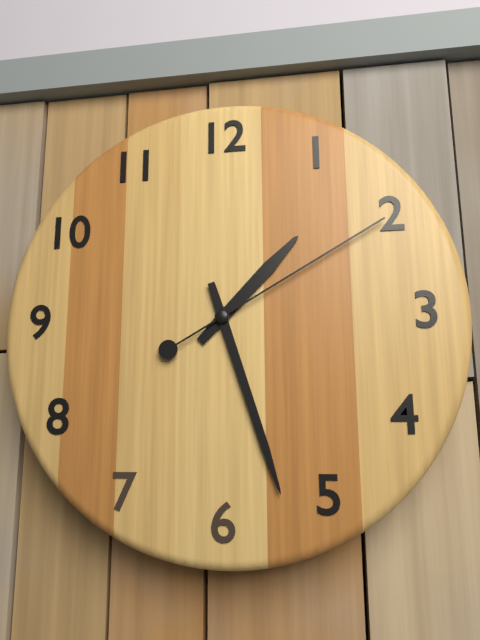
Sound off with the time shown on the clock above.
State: 1:27:10
